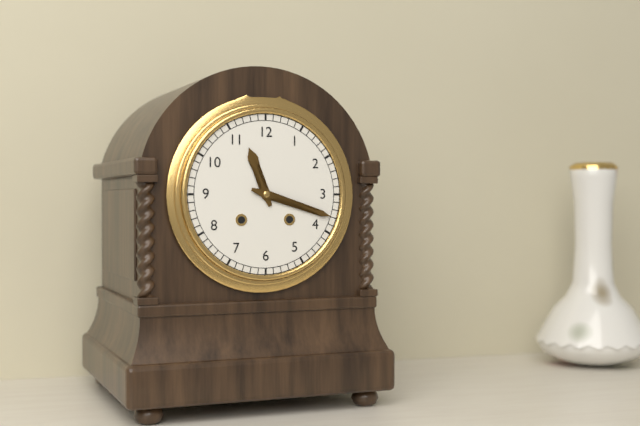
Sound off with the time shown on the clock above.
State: 11:18
